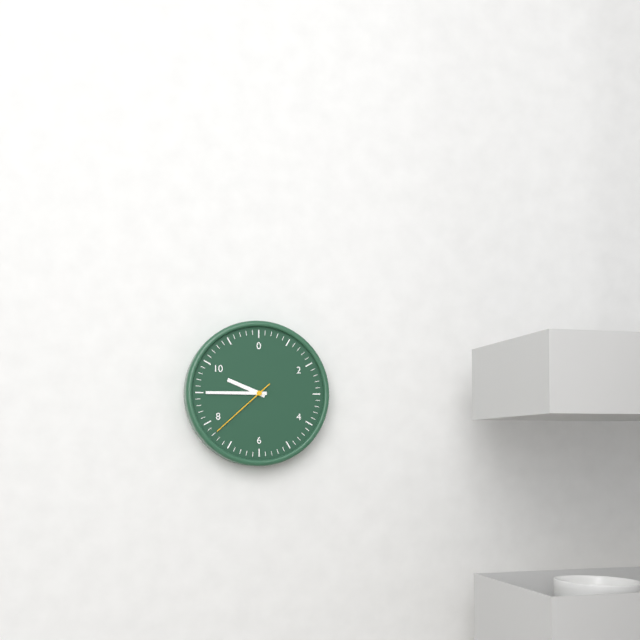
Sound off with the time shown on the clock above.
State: 9:45:38
